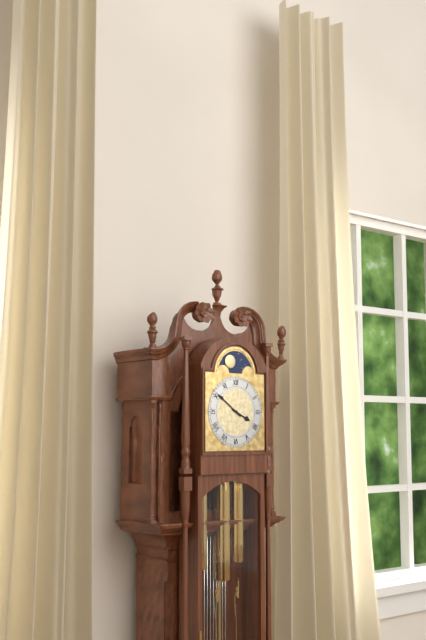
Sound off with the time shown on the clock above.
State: 3:51
